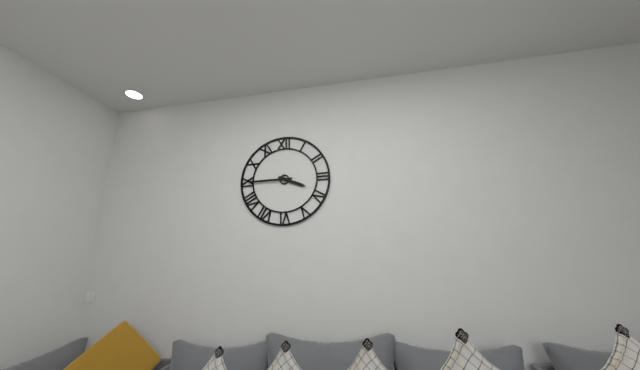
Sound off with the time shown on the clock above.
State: 3:45
